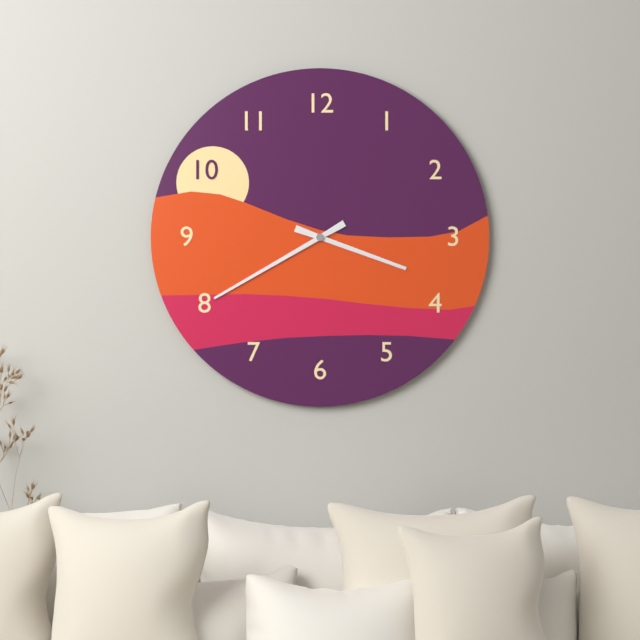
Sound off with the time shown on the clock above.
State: 3:40
